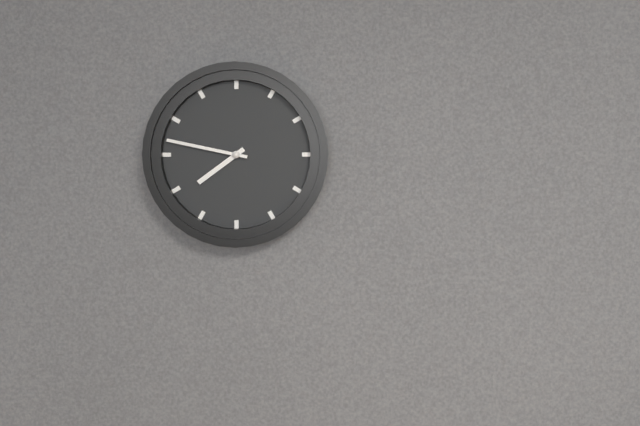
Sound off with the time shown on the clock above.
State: 7:47
